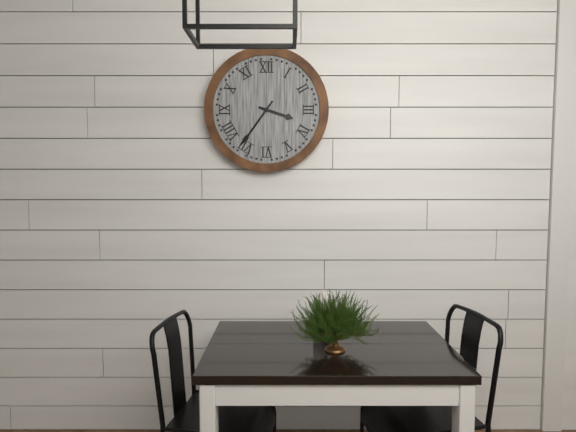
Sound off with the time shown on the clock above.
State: 3:36
